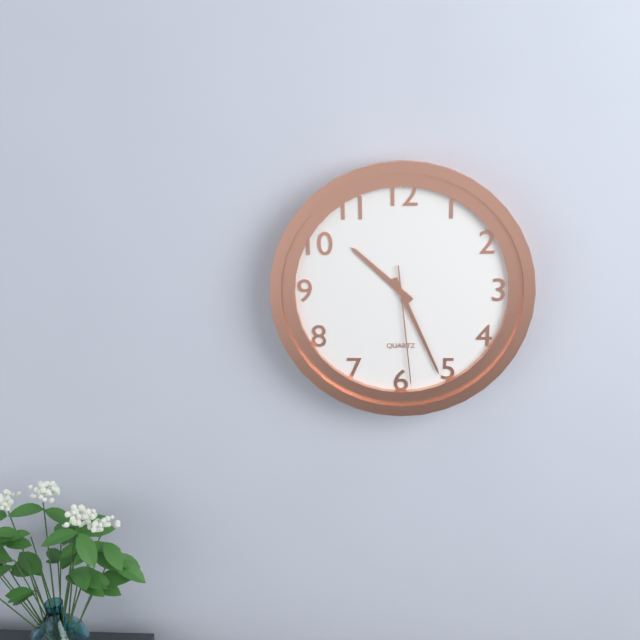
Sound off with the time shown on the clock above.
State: 10:26:29
